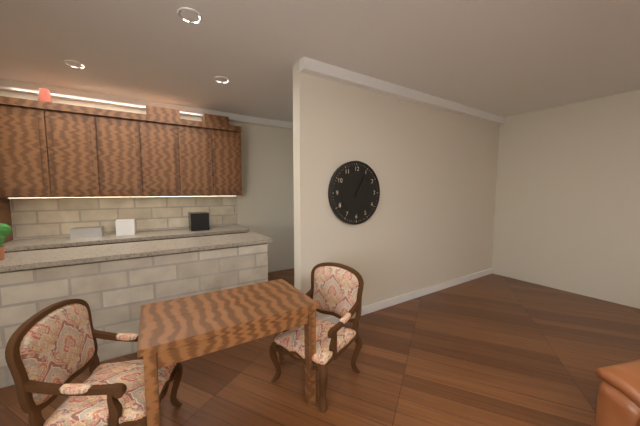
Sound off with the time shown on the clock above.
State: 3:05
